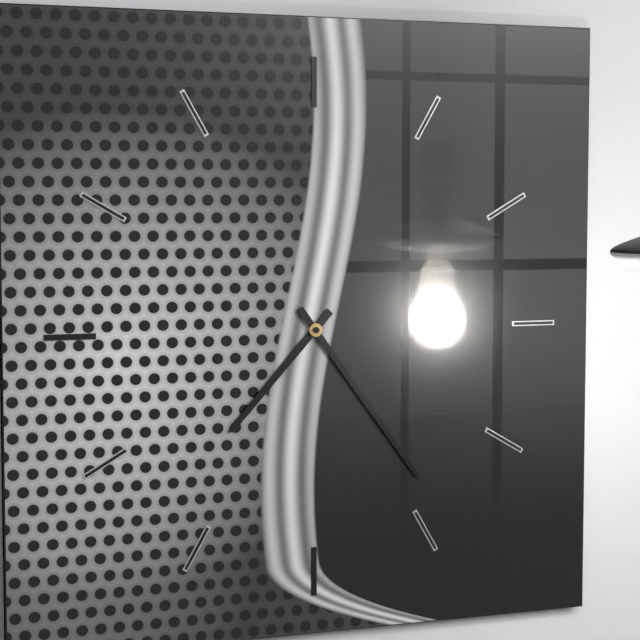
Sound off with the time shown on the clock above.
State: 7:24
